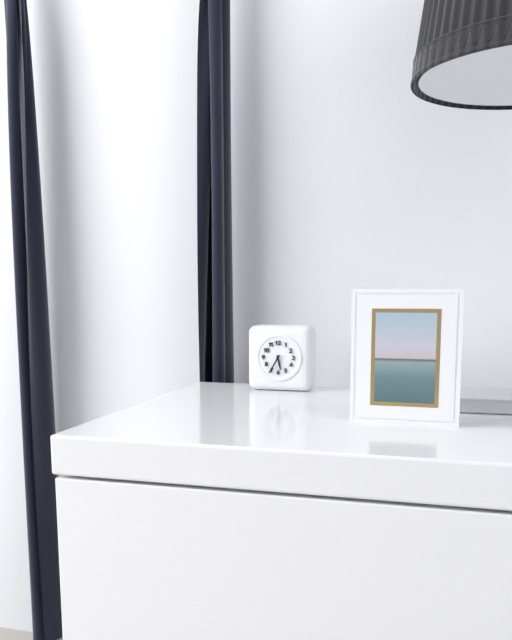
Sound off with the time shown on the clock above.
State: 5:35
